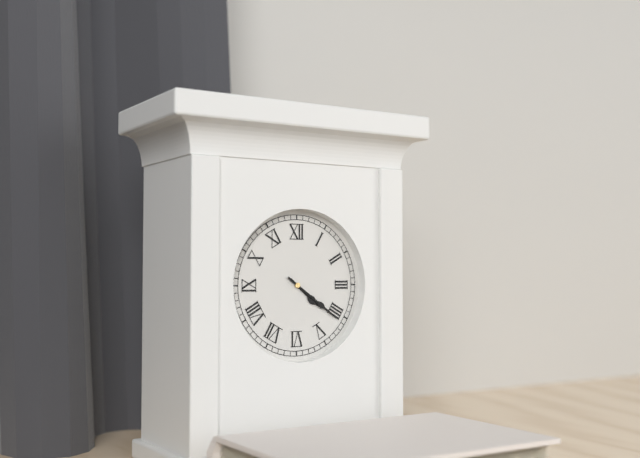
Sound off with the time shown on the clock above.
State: 4:21
